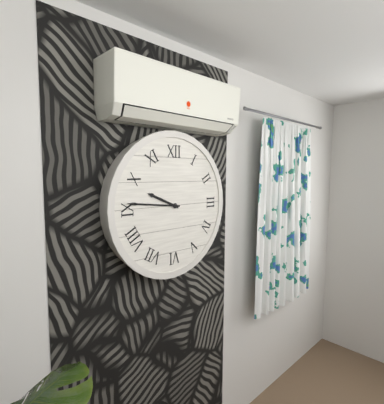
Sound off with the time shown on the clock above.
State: 9:46
